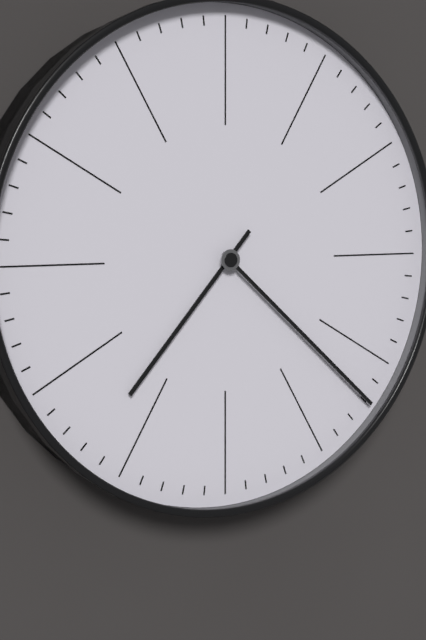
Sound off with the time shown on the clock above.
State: 7:22
